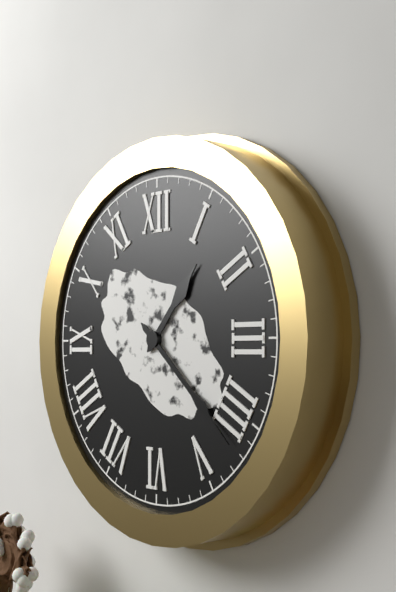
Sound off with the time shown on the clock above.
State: 1:22
